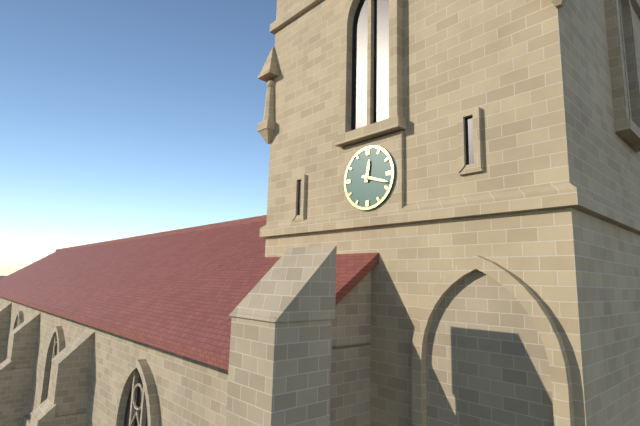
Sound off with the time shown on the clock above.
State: 12:18
